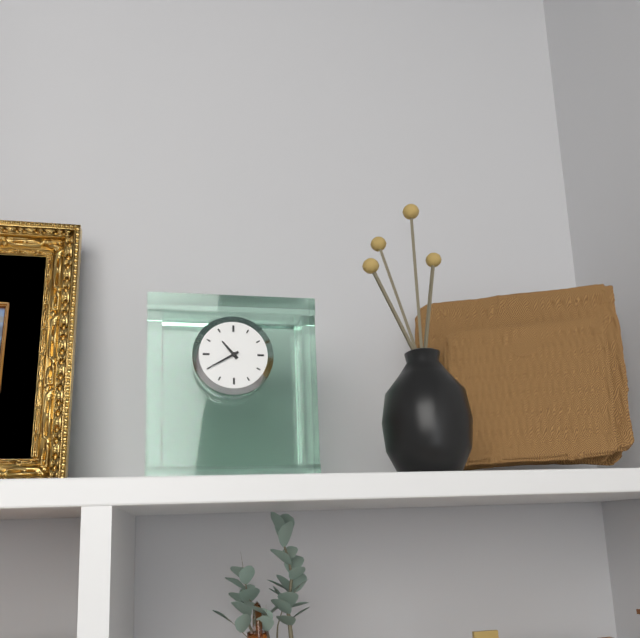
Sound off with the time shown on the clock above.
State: 10:40
